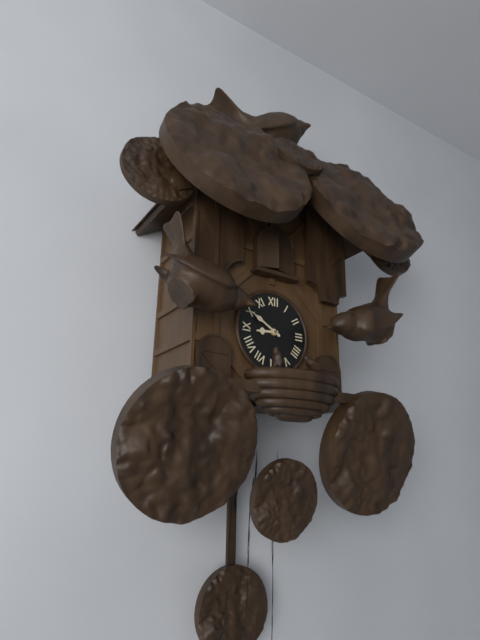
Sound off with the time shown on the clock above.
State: 8:50
